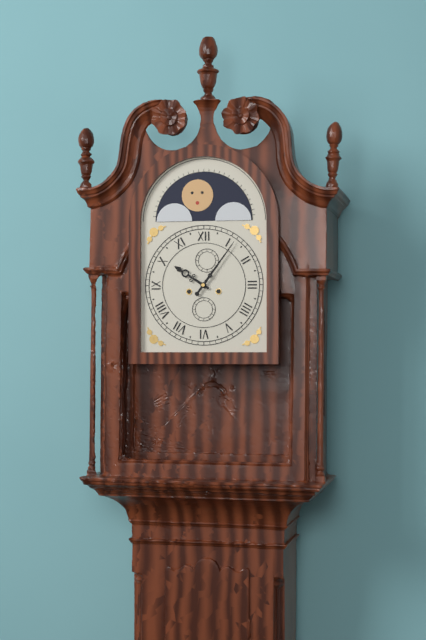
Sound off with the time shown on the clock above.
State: 10:06
